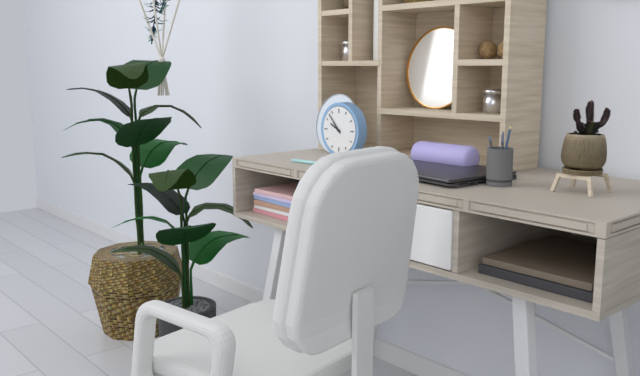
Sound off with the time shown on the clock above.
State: 9:53
